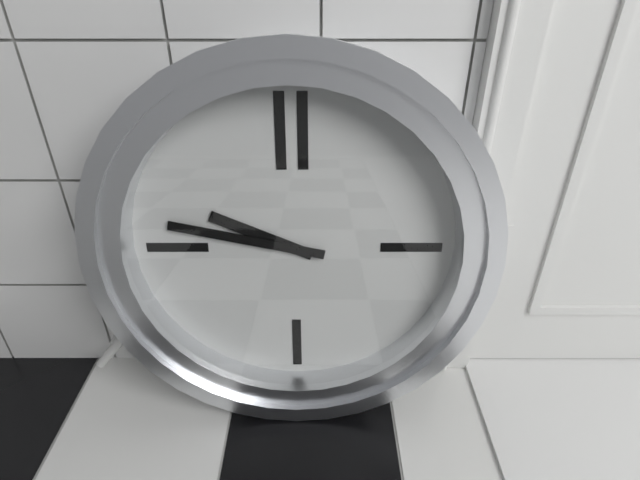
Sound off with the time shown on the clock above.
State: 9:47
